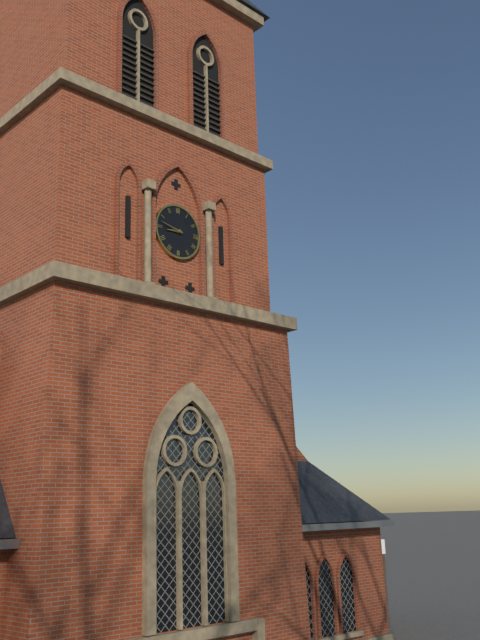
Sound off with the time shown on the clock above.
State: 8:47
